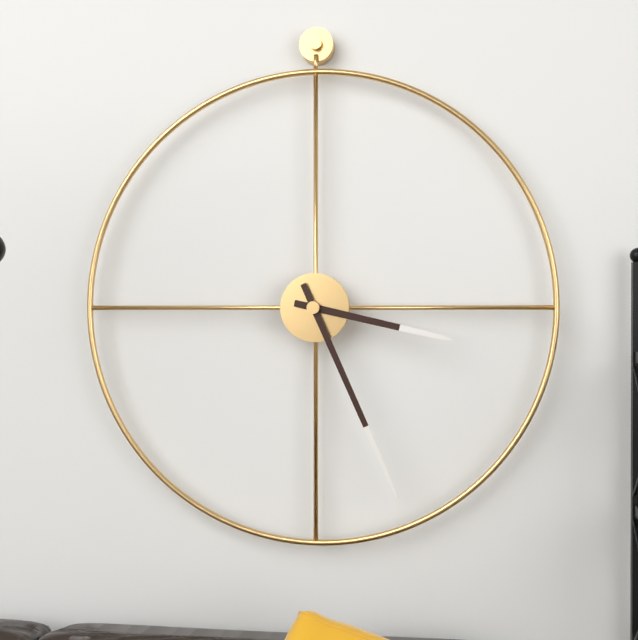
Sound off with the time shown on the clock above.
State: 3:26
